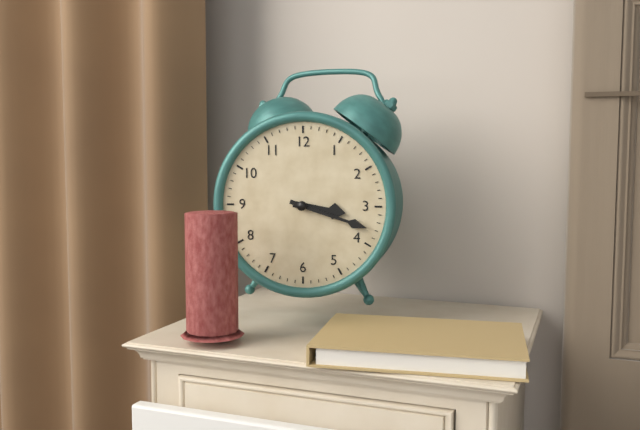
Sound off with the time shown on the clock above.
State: 3:18
